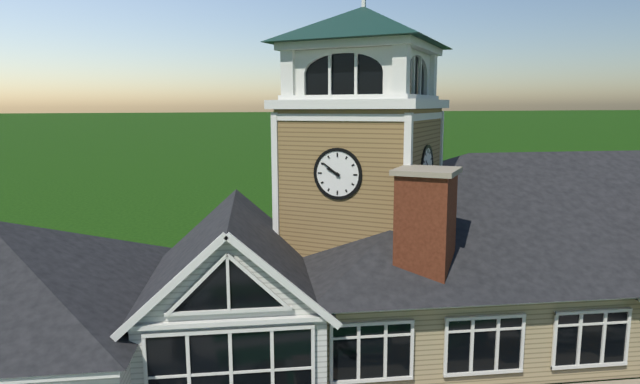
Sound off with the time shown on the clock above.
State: 9:51
